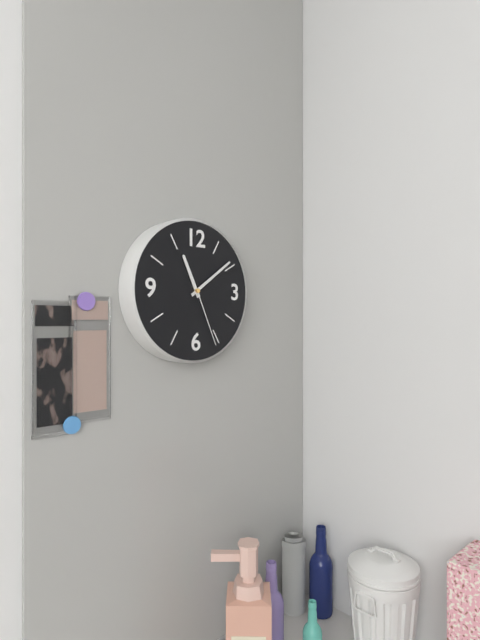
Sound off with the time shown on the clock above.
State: 11:09:26
